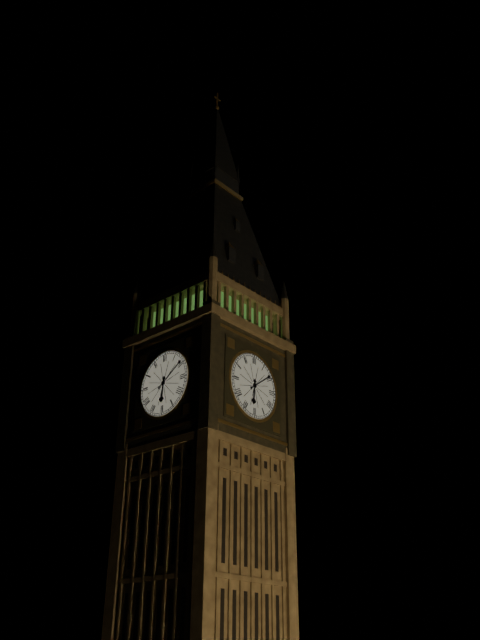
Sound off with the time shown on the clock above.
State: 6:09
